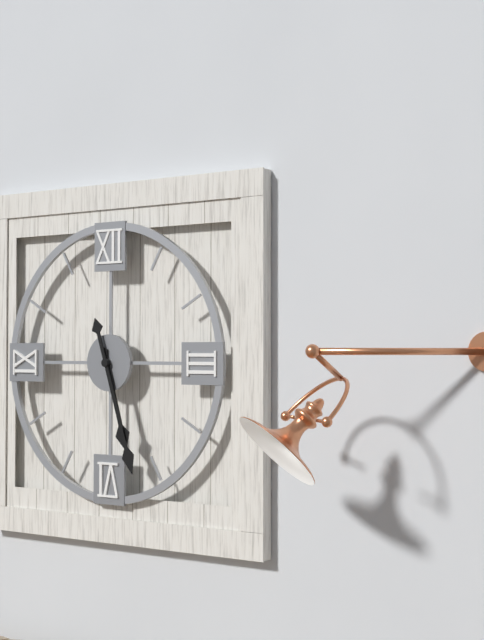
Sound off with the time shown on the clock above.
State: 5:27
